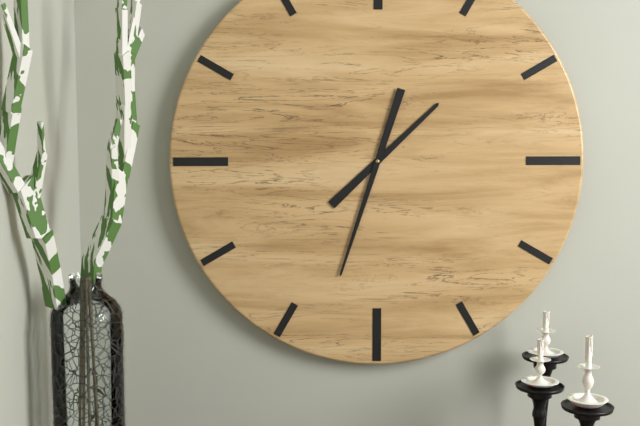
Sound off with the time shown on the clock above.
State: 1:33
